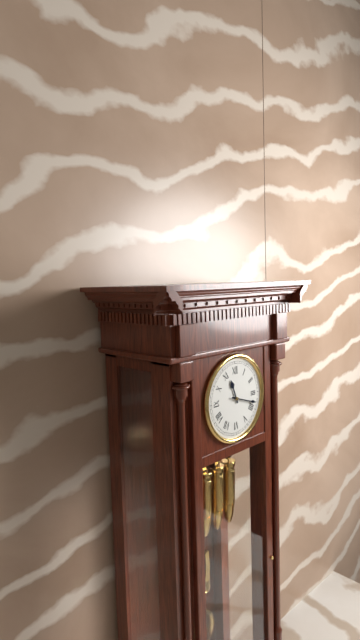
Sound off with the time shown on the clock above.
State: 11:18
